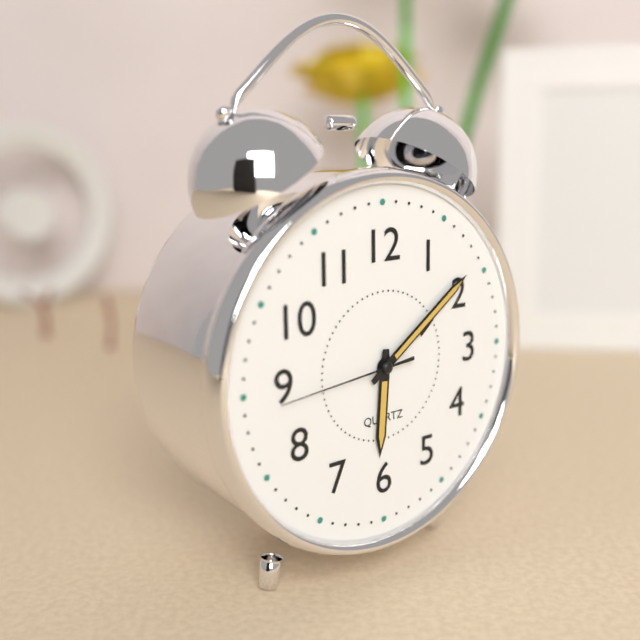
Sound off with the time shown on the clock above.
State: 6:09:44
